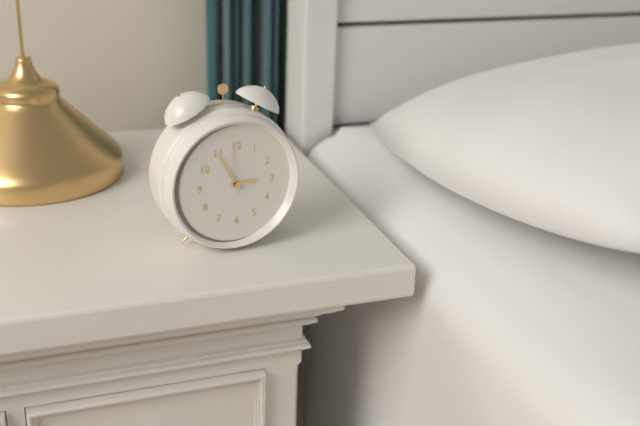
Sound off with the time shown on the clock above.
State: 2:55:59
